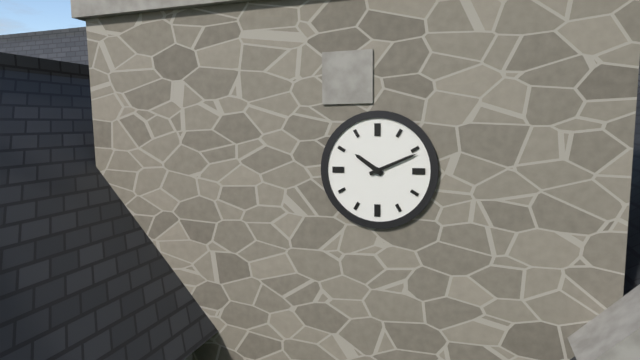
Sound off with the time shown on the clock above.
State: 10:11
